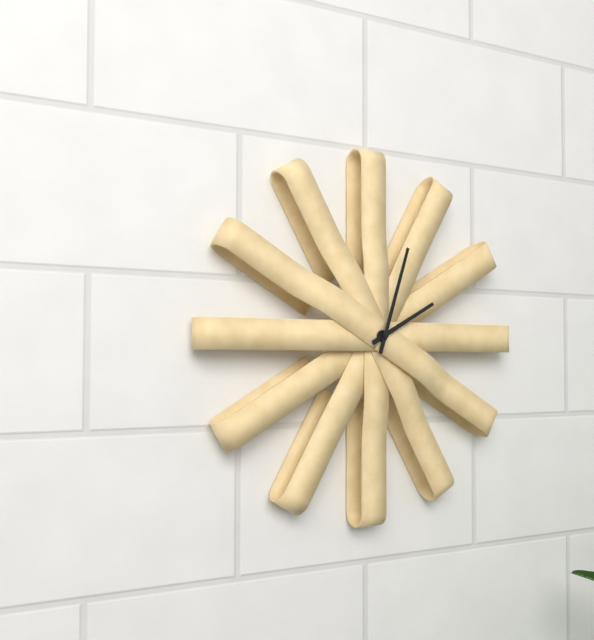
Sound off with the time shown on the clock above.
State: 2:03
